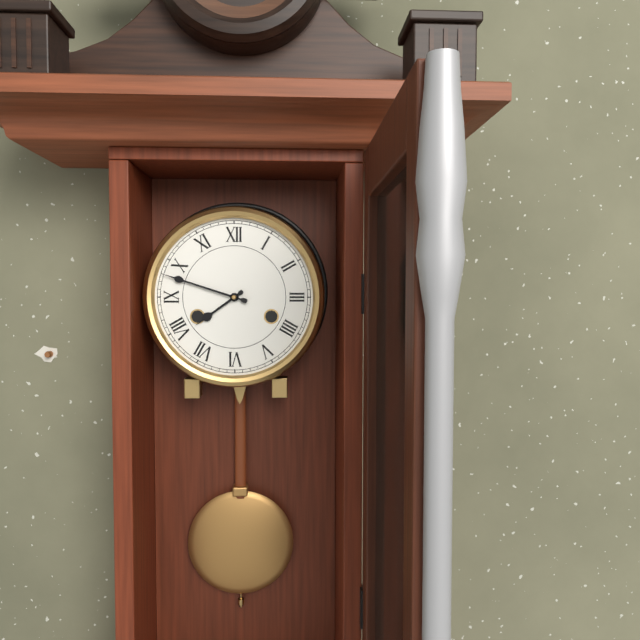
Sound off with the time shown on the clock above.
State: 7:48
